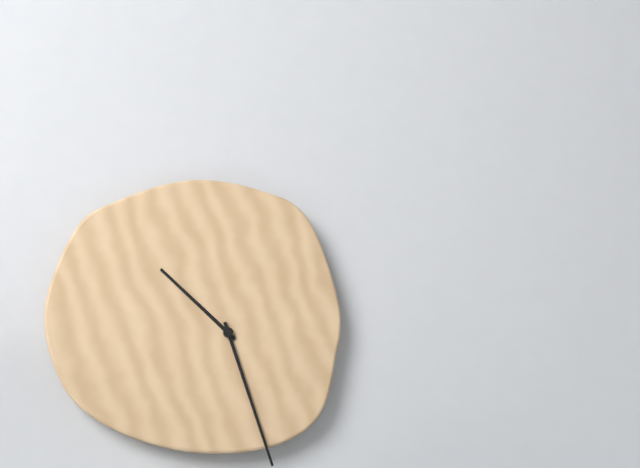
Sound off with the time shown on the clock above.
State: 10:27
